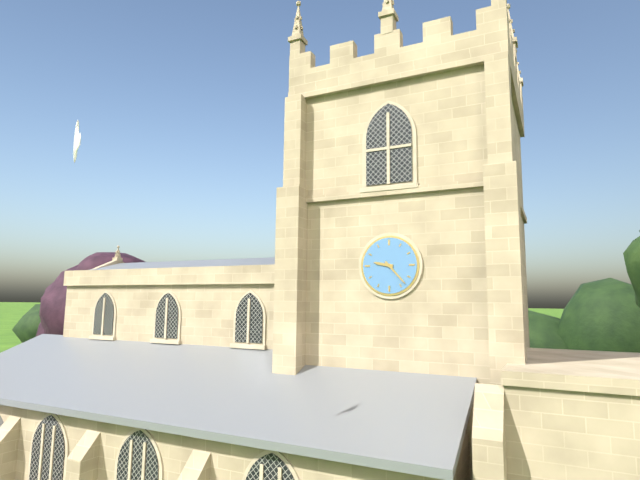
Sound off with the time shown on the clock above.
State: 9:23
